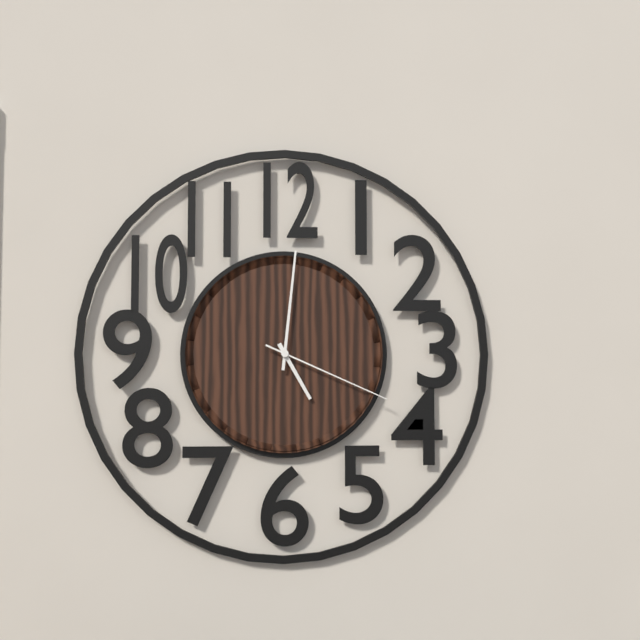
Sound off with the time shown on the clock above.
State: 5:01:19
